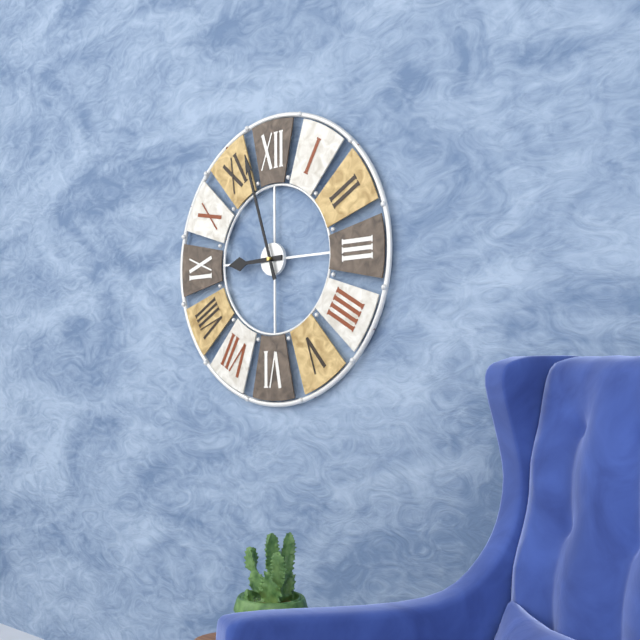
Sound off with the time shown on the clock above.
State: 8:57
